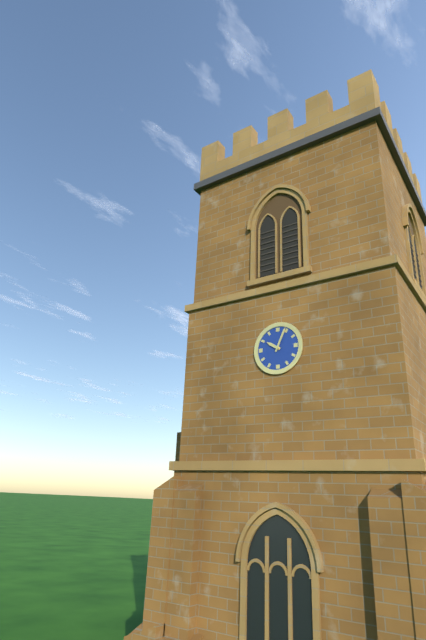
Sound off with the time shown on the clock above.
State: 10:04
